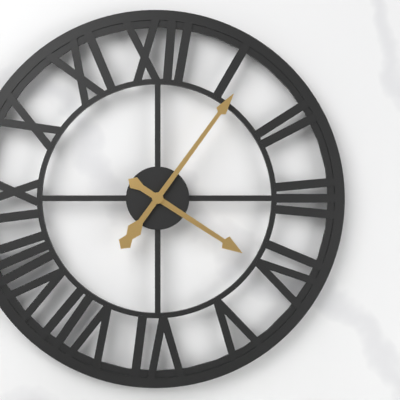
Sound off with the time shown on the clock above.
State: 4:06
